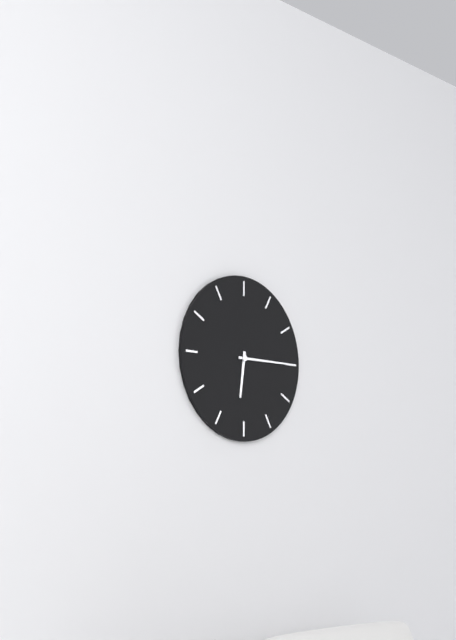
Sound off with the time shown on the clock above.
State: 6:15
